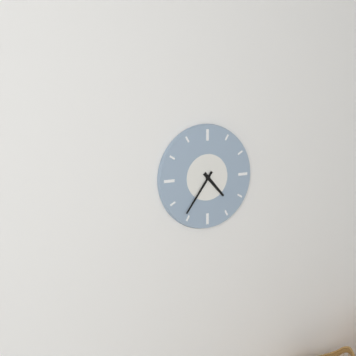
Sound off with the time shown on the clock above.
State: 4:36
